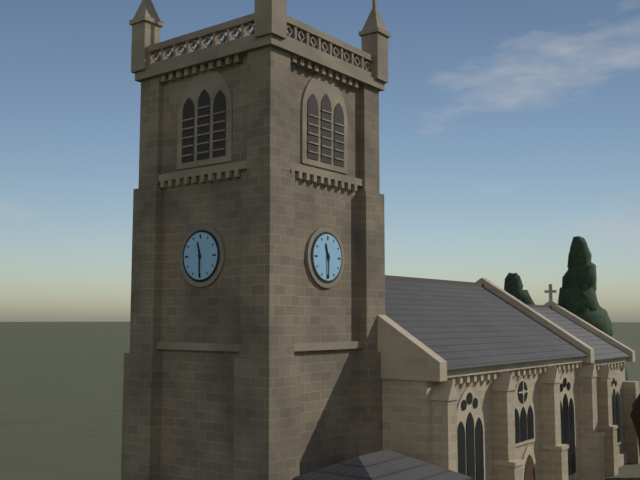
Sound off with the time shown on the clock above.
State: 11:30
